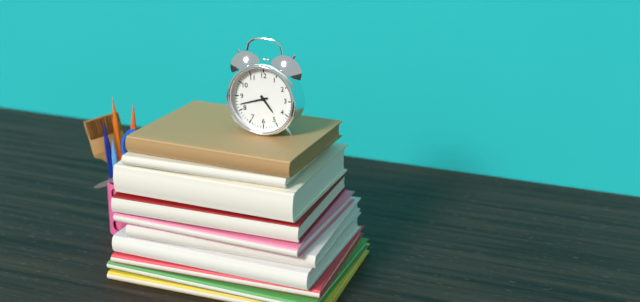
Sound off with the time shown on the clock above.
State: 4:42
